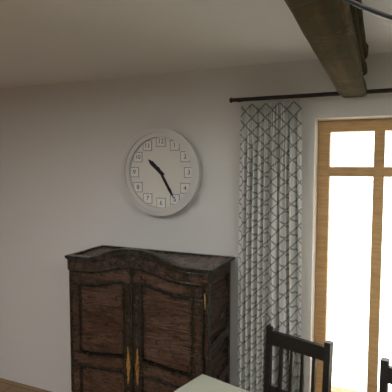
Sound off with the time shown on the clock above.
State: 10:25
